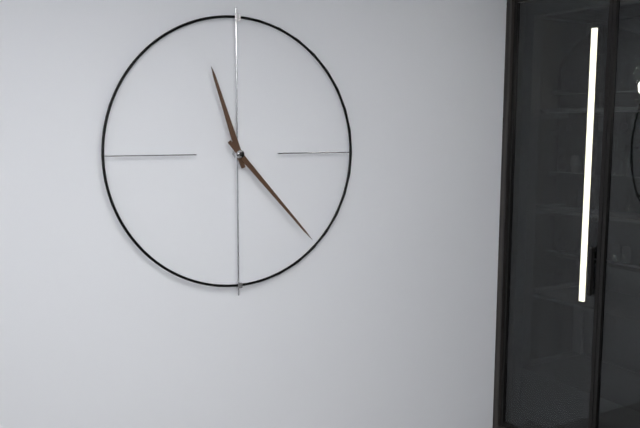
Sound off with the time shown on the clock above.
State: 11:23
